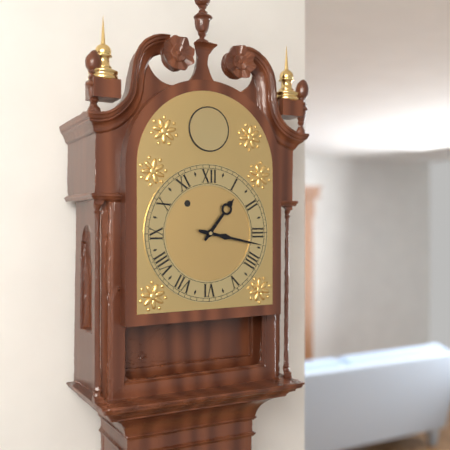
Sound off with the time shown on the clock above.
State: 1:17
